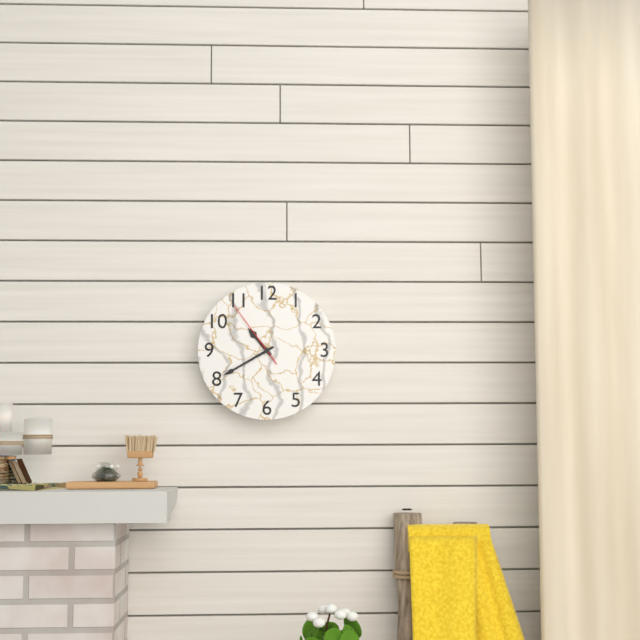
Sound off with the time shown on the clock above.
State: 10:40:54
